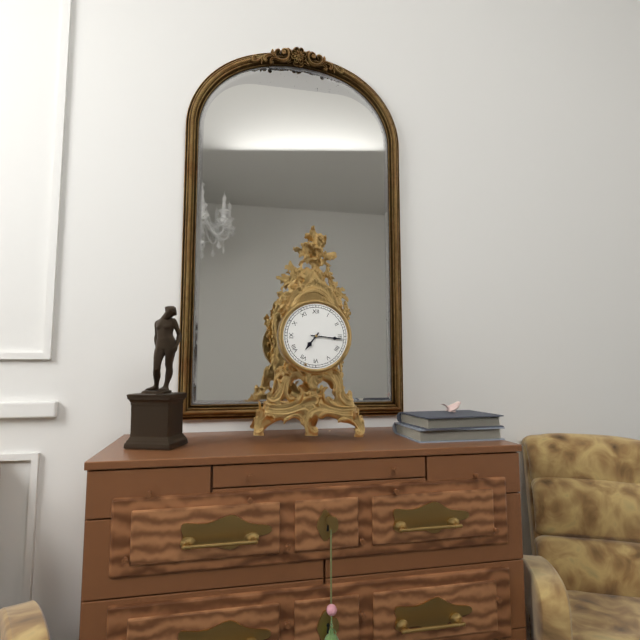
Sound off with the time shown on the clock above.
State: 7:16
